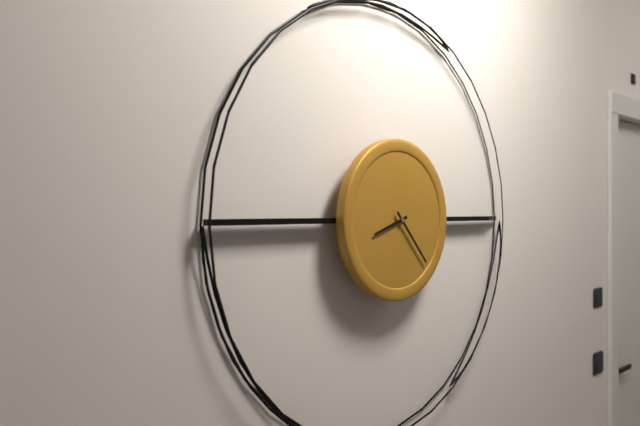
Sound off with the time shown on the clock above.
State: 8:23
